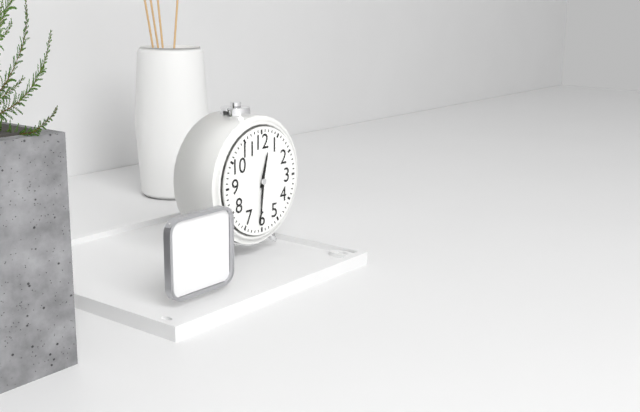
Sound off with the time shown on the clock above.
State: 12:31
